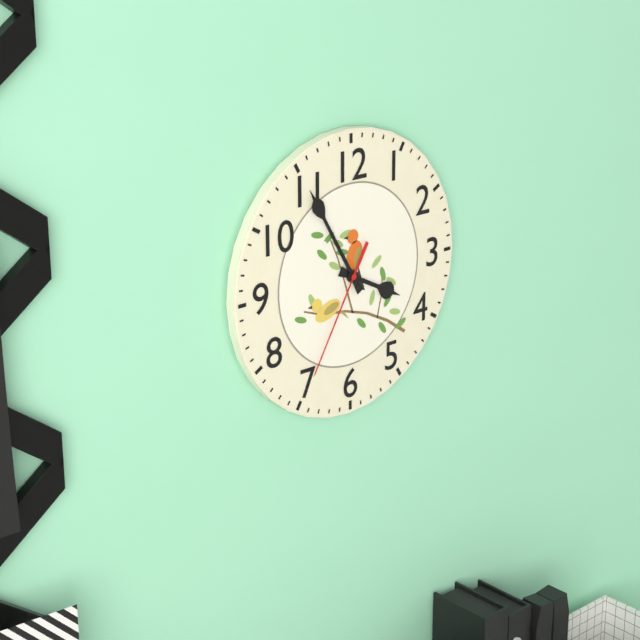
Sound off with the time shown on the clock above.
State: 3:55:35
